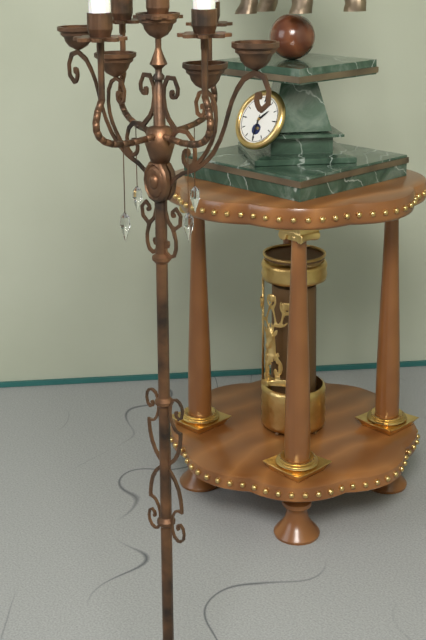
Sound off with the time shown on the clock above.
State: 1:30
